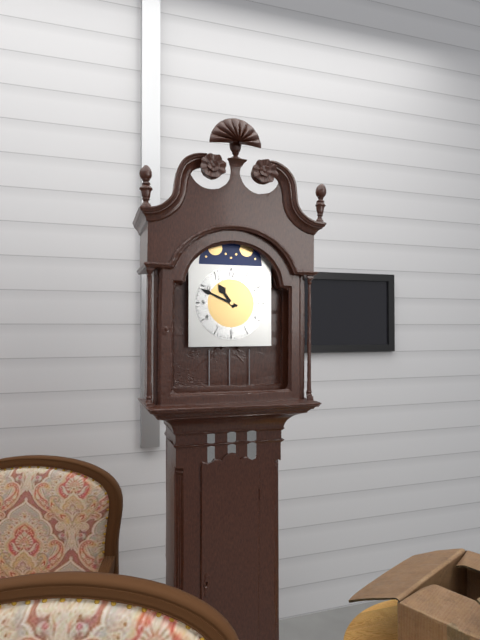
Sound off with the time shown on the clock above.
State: 10:49
